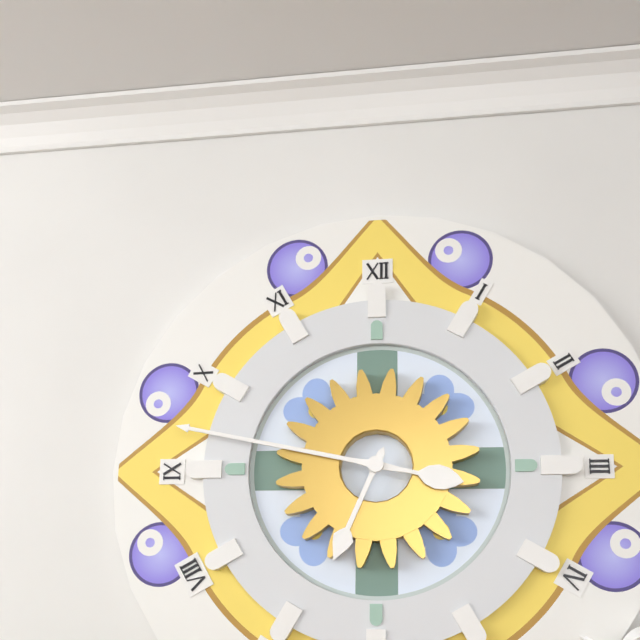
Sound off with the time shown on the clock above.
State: 6:47
